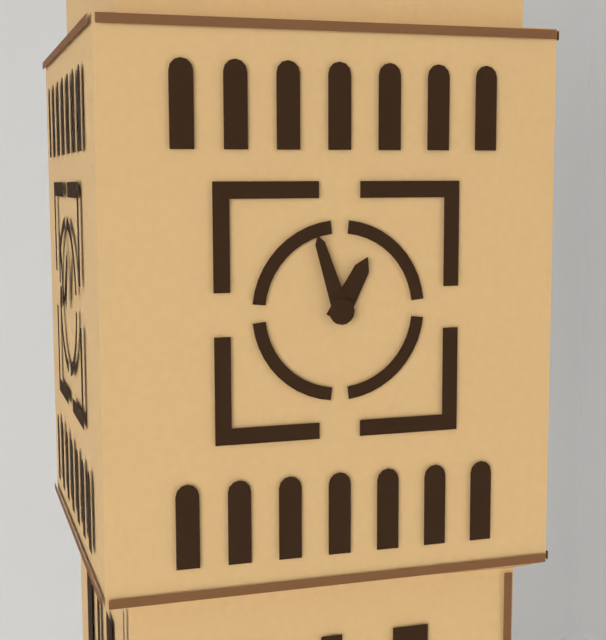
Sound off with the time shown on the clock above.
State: 12:57
